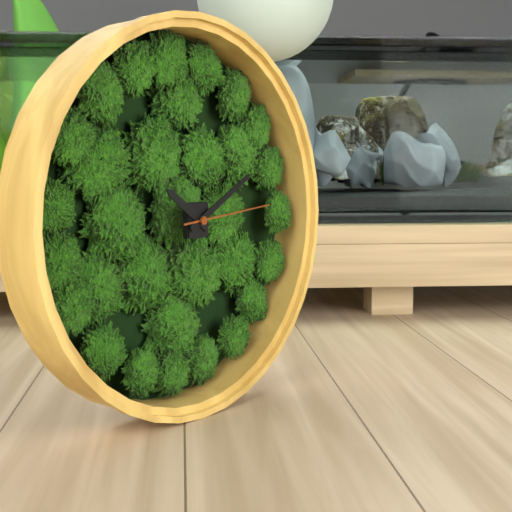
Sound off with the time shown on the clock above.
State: 10:10:14
